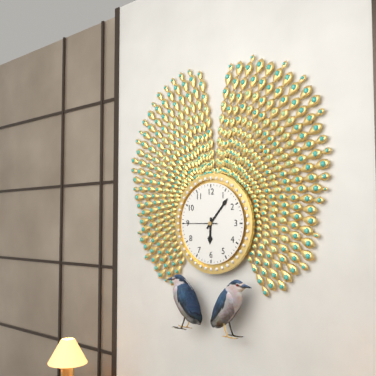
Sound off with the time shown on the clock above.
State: 6:07
